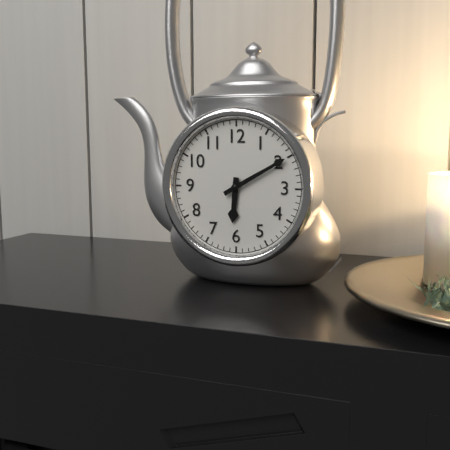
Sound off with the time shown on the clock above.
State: 6:10
